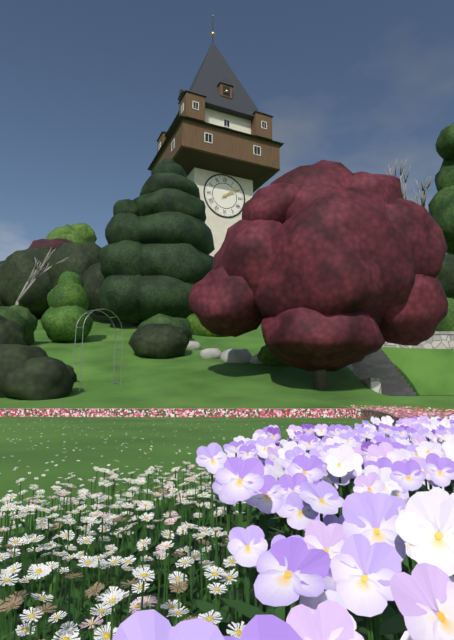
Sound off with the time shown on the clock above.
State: 2:08
